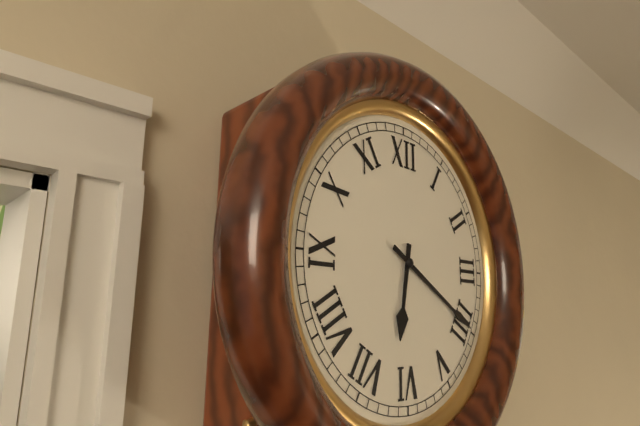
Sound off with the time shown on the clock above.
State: 6:20
